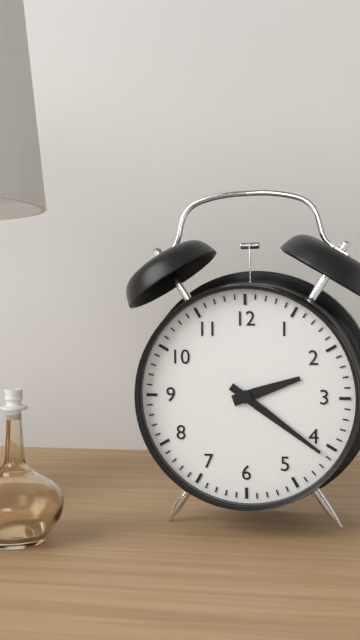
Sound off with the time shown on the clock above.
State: 2:21
